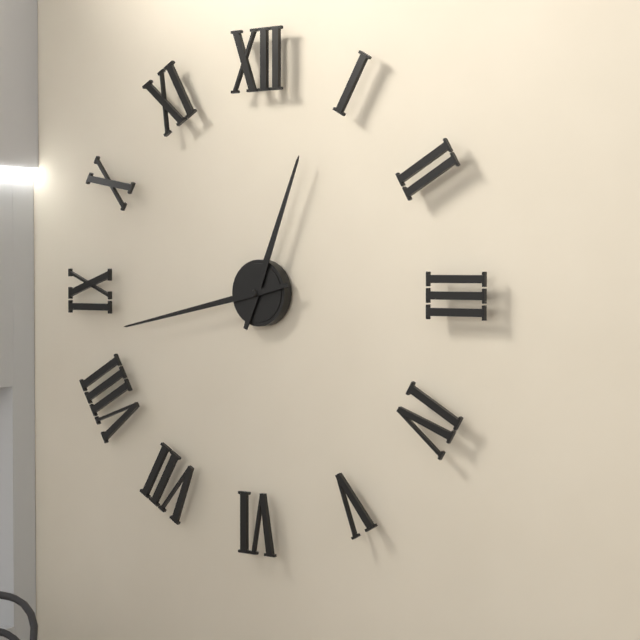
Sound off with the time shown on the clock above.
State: 12:43
